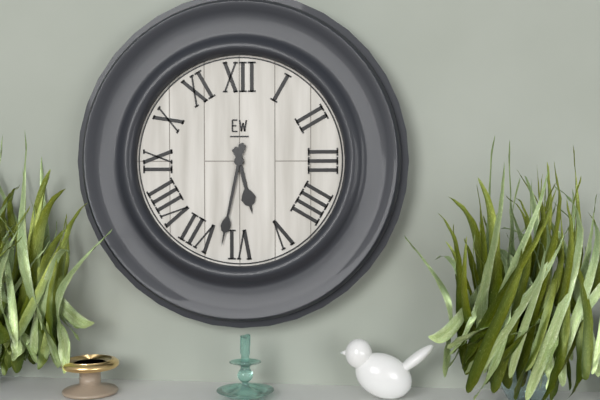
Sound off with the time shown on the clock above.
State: 5:32
